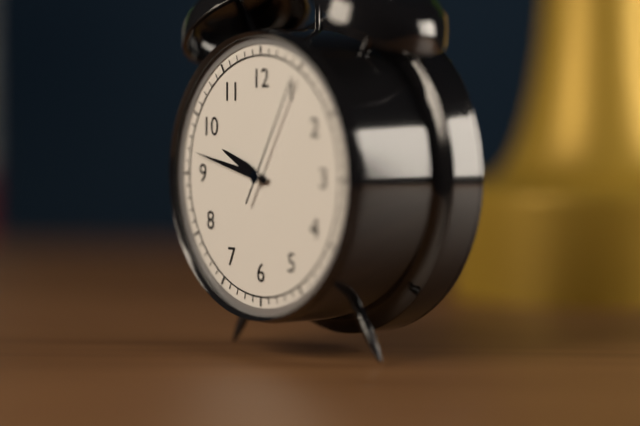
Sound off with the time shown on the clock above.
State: 9:47:05
